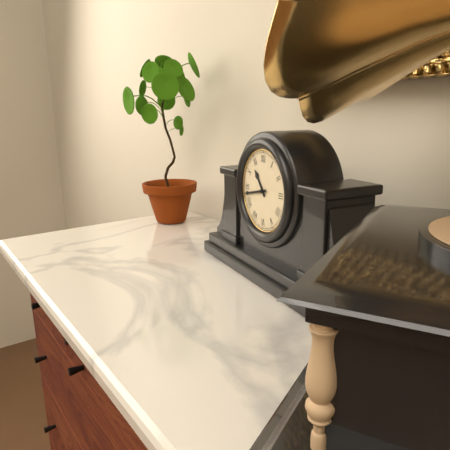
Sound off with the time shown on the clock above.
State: 10:43
